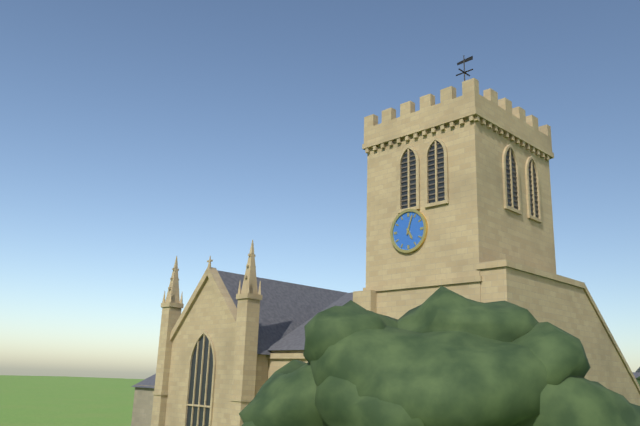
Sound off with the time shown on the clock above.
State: 5:03
